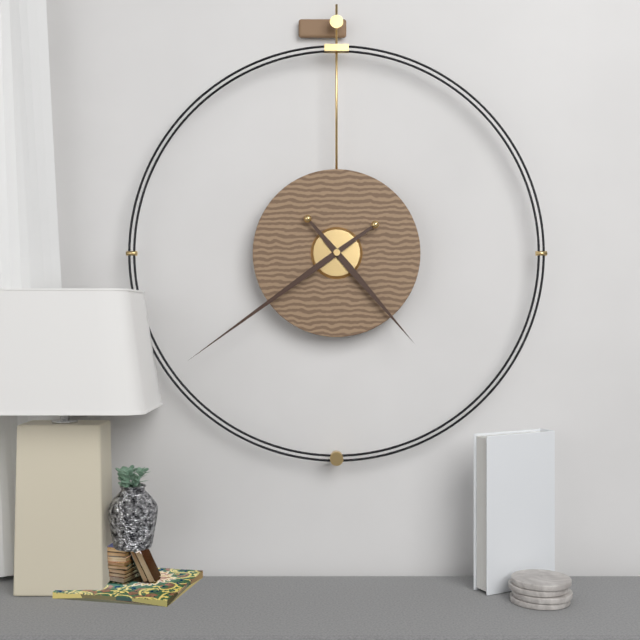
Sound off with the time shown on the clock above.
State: 4:39
